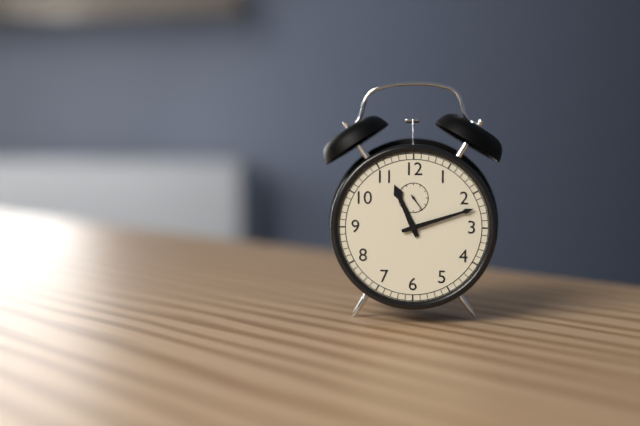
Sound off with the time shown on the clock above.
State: 11:12
